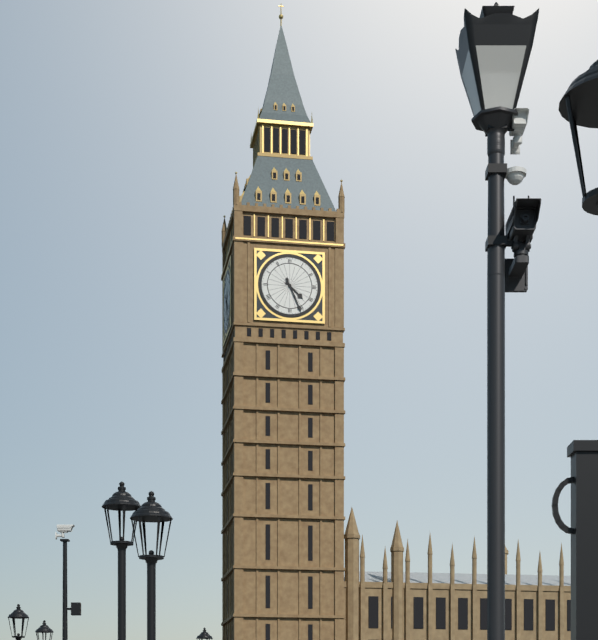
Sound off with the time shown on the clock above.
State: 4:26
